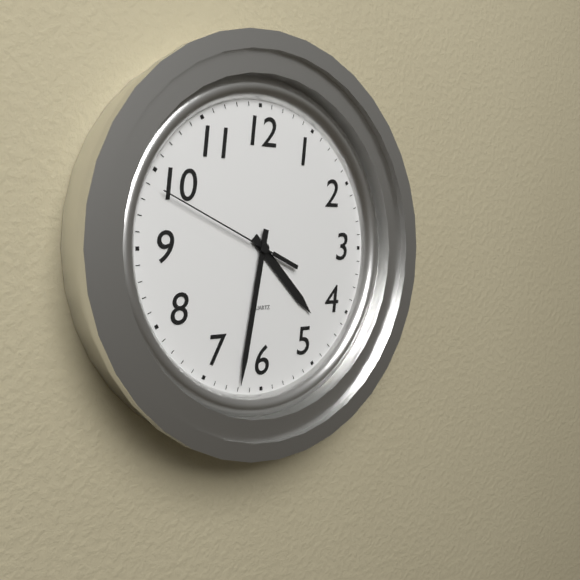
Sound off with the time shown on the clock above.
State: 4:32:49
